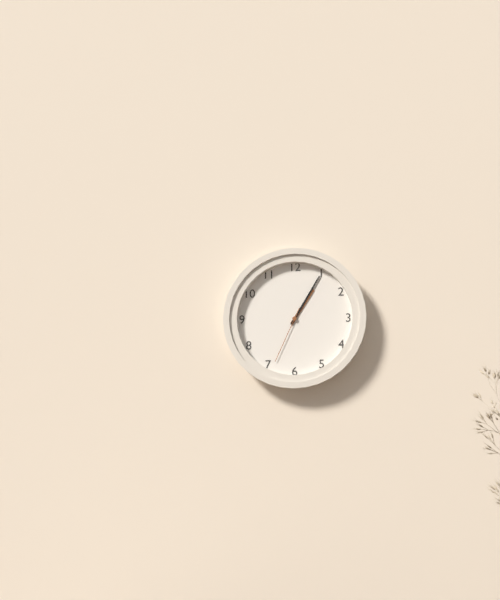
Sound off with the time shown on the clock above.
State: 1:05:34
